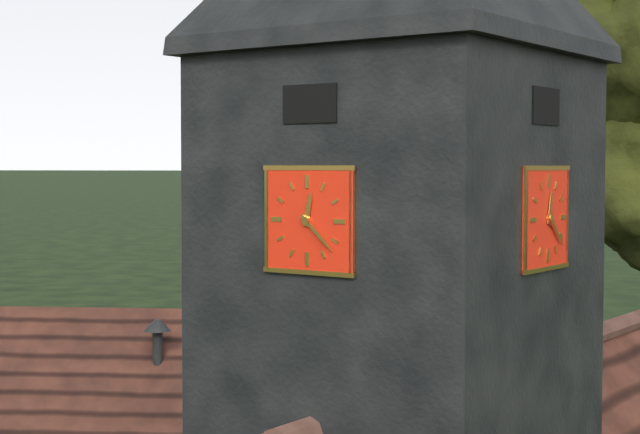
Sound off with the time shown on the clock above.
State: 12:22
